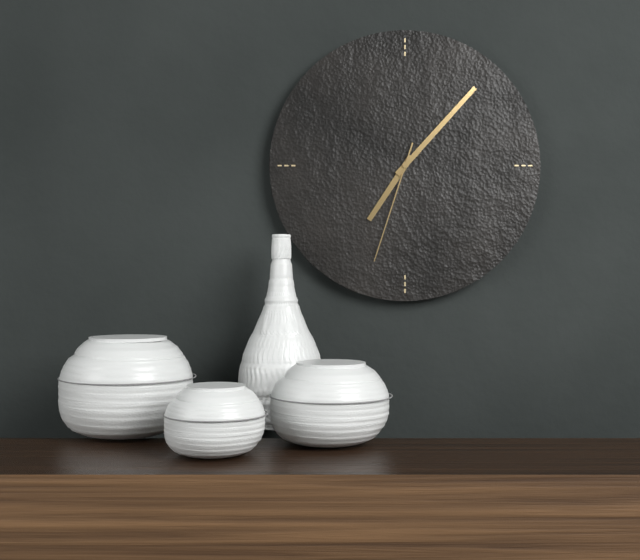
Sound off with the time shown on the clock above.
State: 7:07:33
